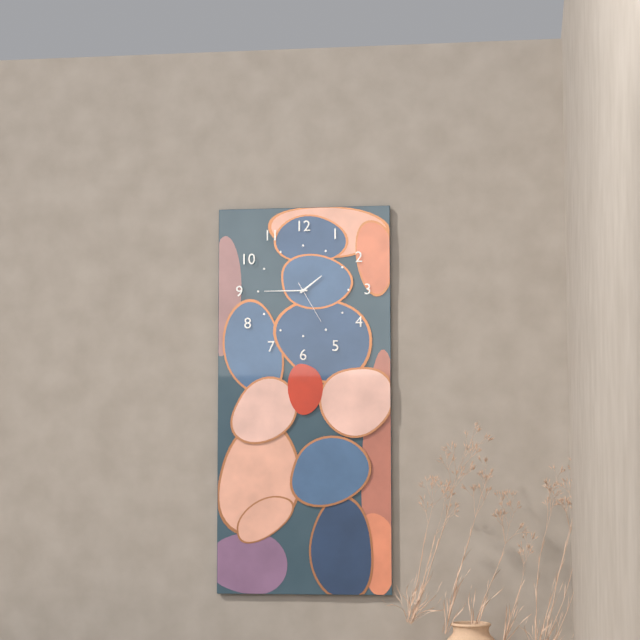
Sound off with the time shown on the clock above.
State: 1:45
